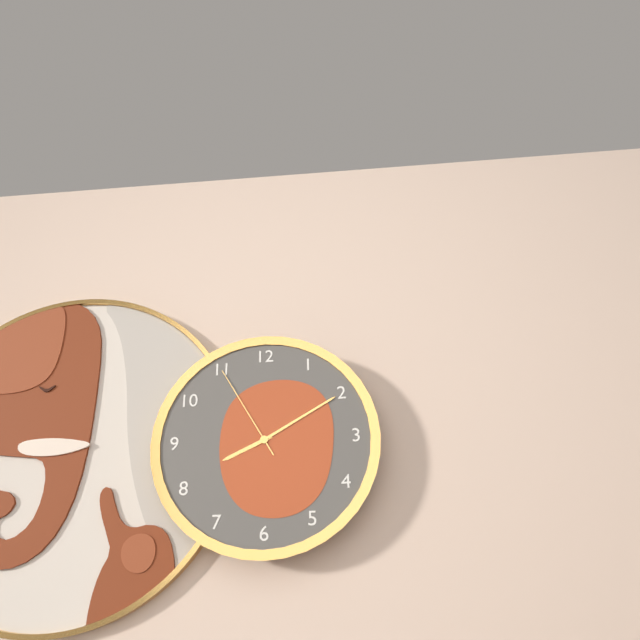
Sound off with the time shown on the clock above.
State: 8:10:55
